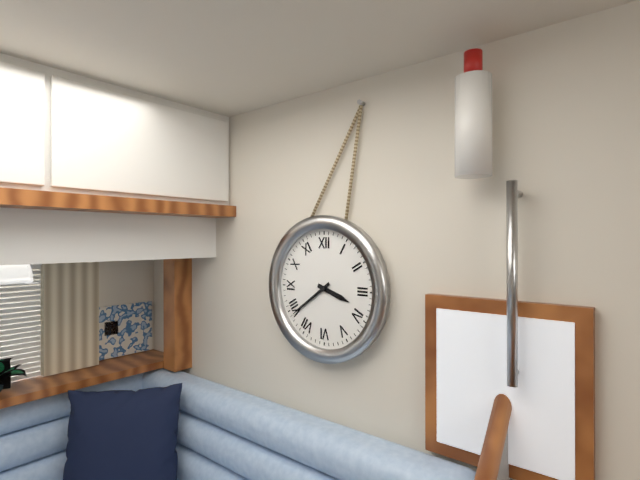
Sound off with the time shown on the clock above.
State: 3:39
